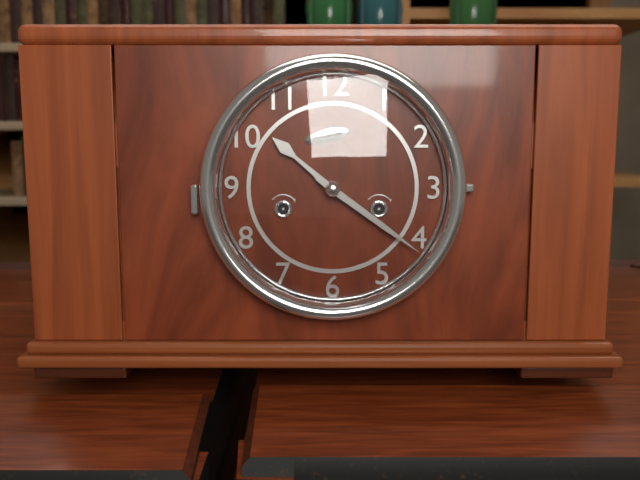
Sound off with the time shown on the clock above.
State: 10:21
